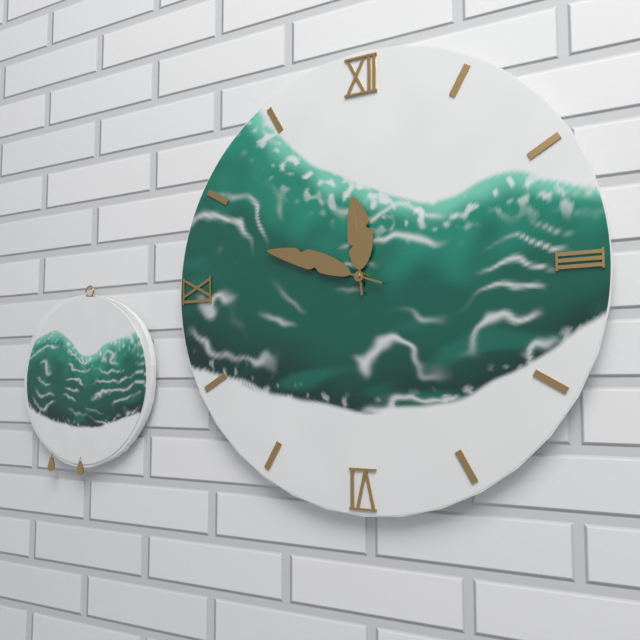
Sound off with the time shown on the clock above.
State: 11:48
